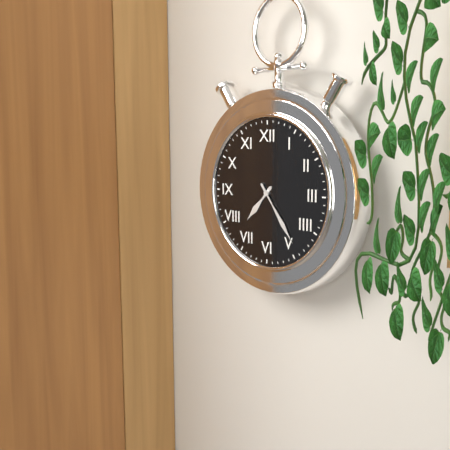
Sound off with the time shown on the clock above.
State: 7:24
